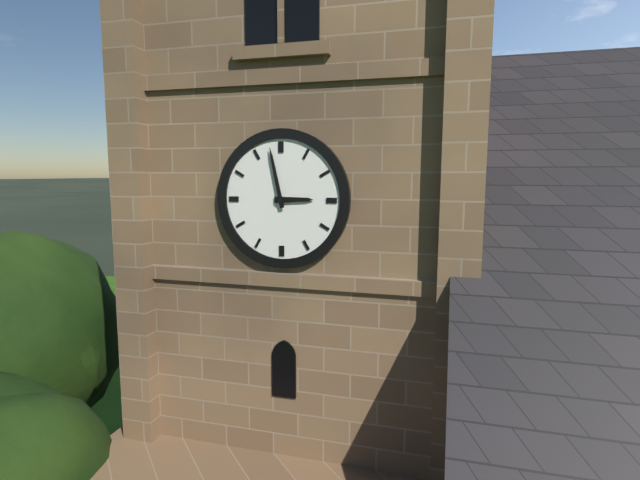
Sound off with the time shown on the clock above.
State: 2:58
